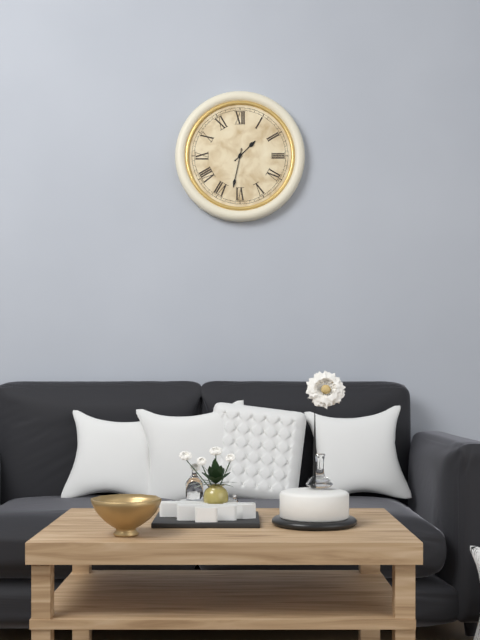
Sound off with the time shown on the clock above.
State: 1:32
